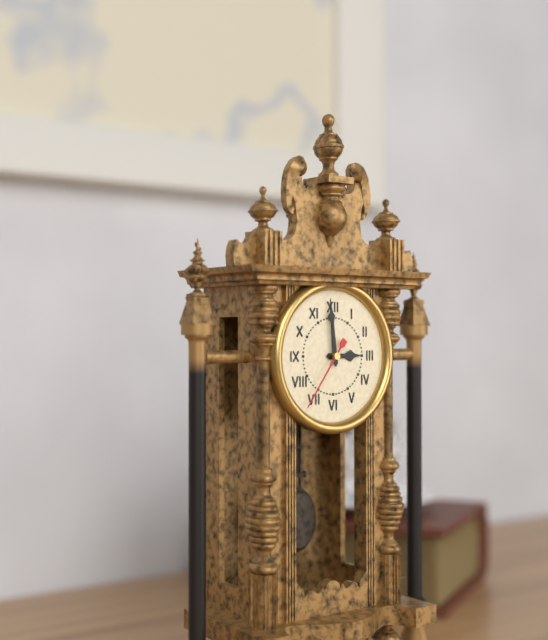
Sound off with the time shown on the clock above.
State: 2:59:36
